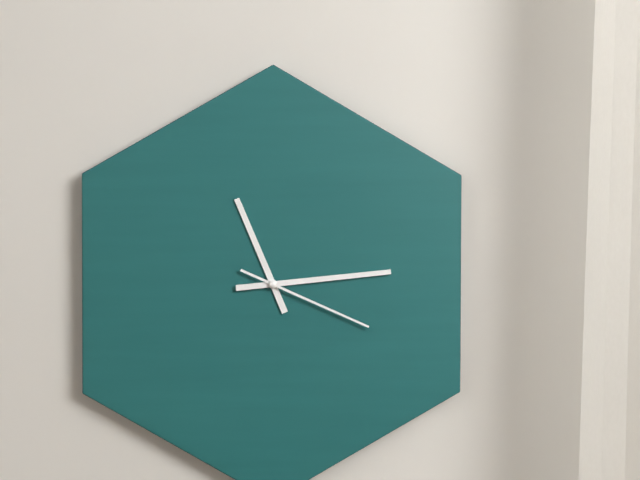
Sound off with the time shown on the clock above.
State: 11:14:19
